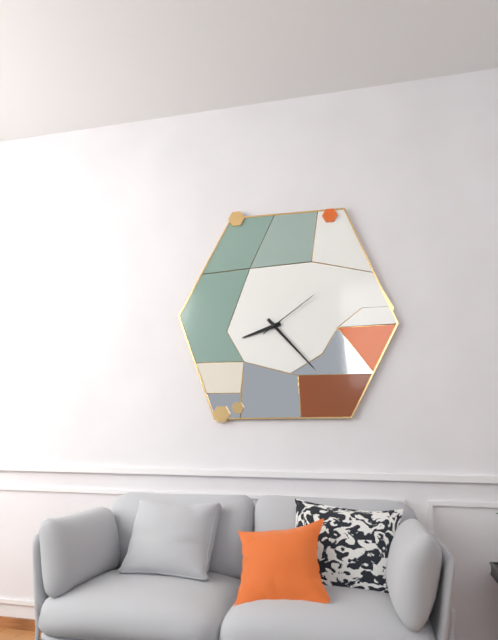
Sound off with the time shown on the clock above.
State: 8:23:09
